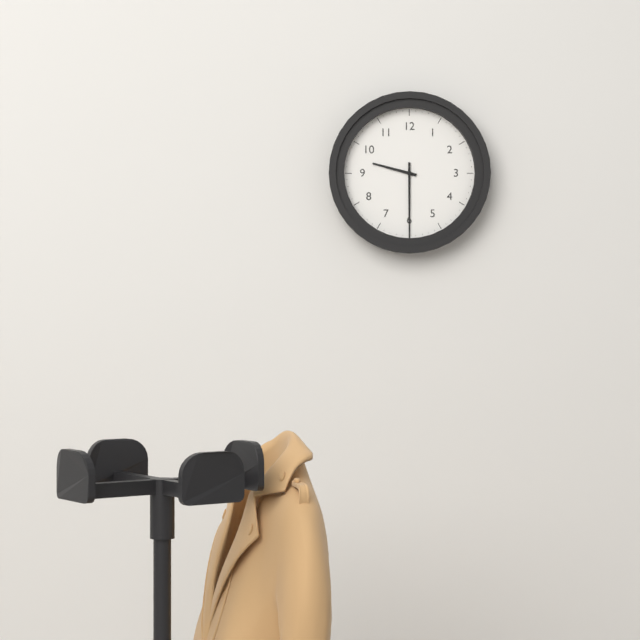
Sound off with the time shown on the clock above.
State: 9:30
